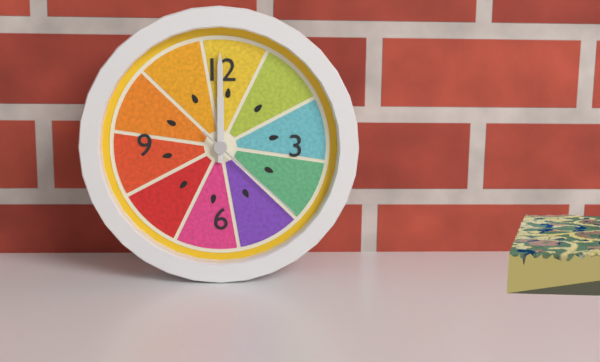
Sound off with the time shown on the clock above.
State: 12:00:22
